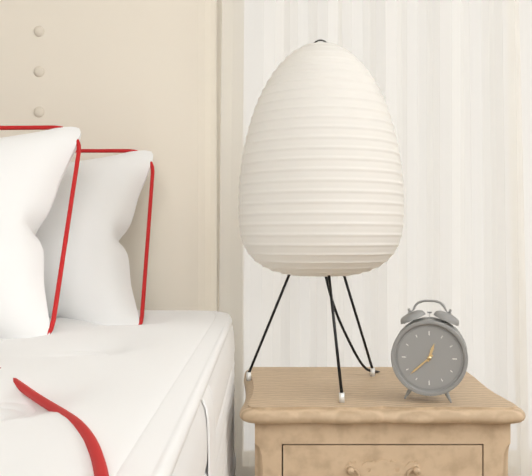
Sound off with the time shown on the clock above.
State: 12:38
